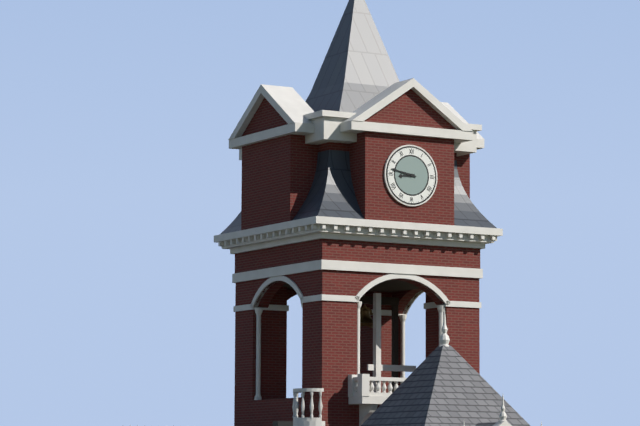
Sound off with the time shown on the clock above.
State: 8:47
